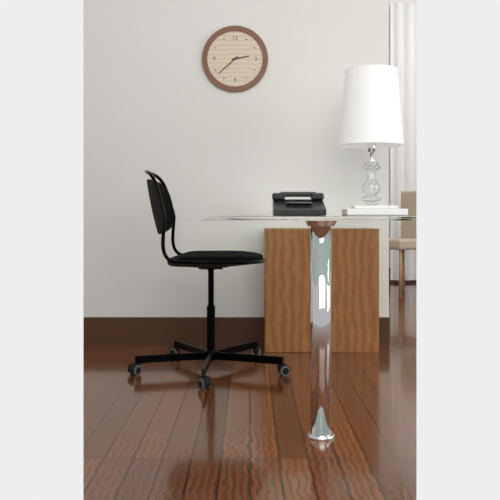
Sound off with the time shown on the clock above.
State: 2:38
